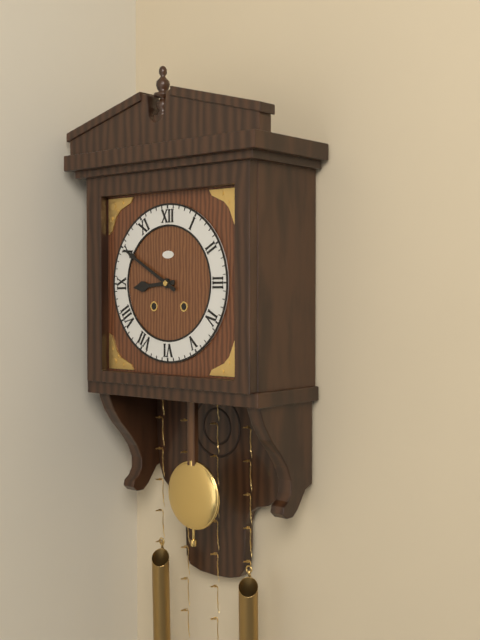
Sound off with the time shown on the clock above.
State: 8:50
